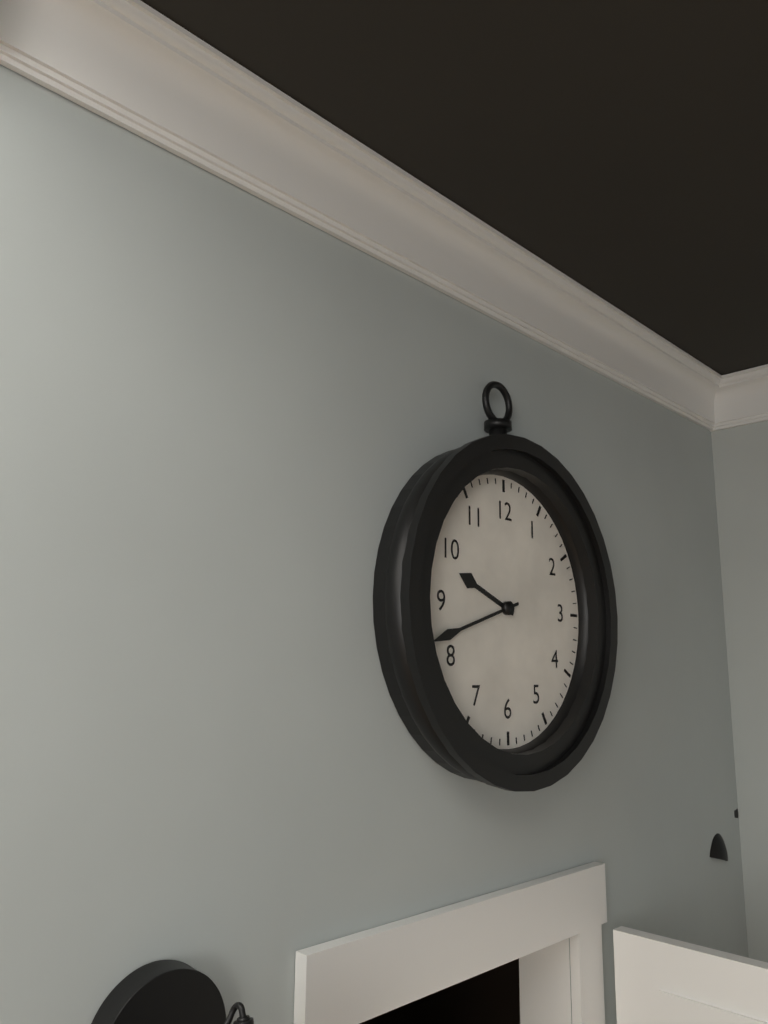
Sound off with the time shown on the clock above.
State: 9:42
